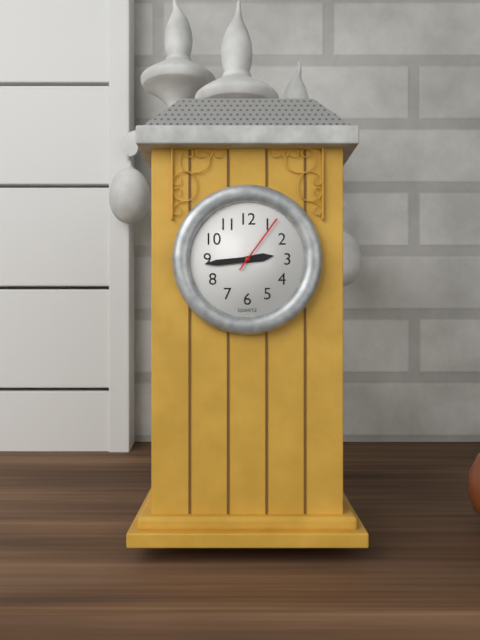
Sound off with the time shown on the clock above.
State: 2:44:06
